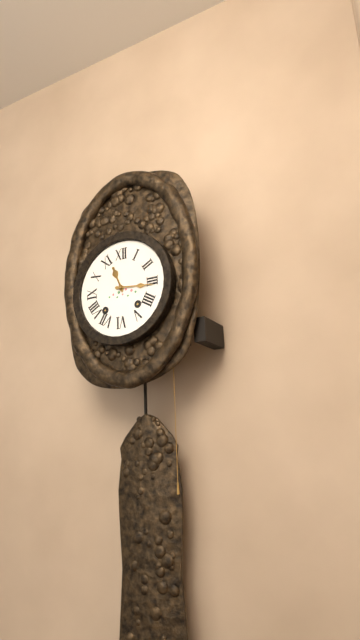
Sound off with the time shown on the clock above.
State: 11:16
